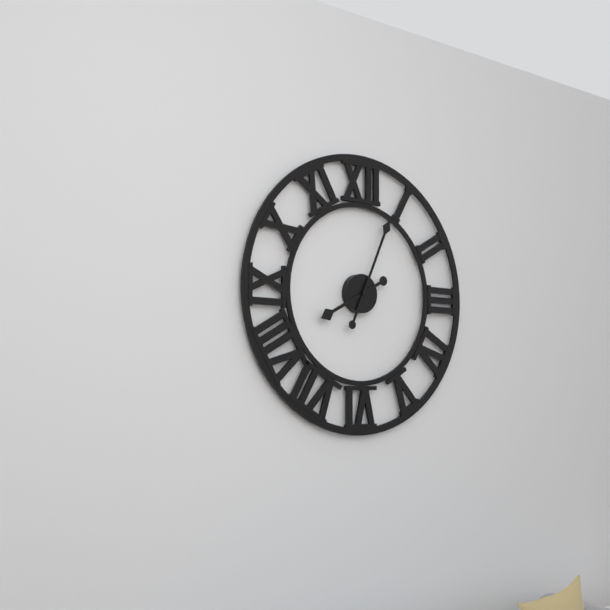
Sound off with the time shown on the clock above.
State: 8:04
